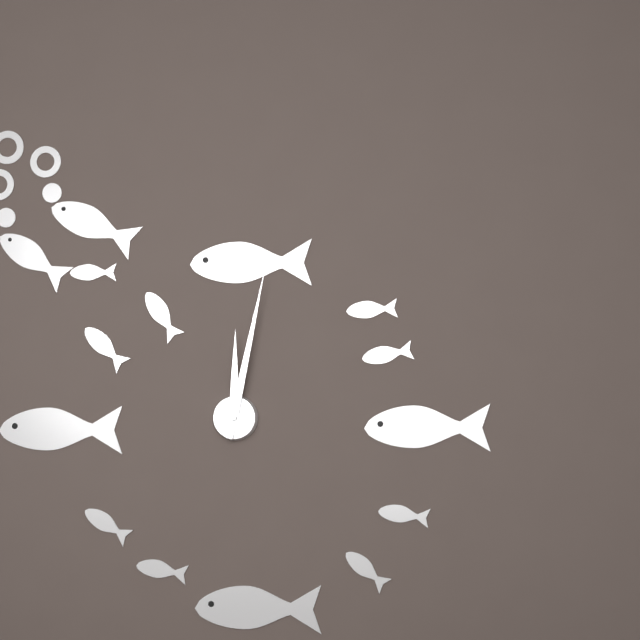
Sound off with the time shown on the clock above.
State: 12:02
